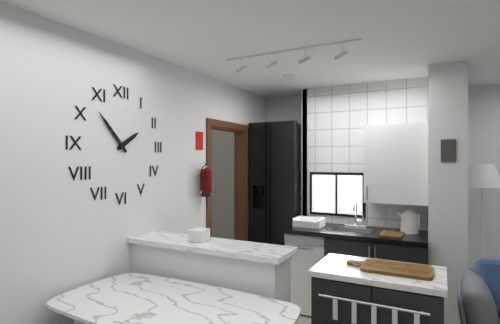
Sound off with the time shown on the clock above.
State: 1:53
